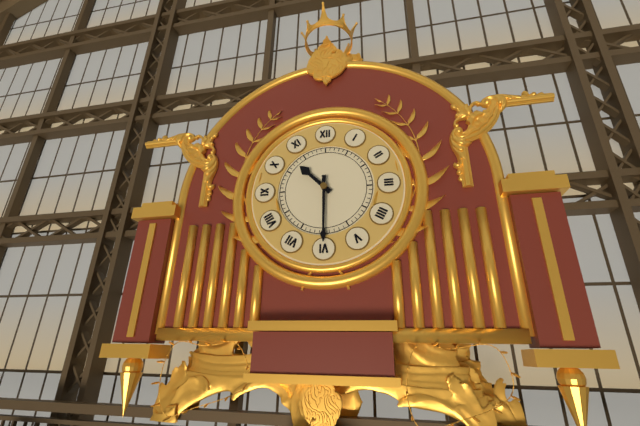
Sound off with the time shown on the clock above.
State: 10:30
